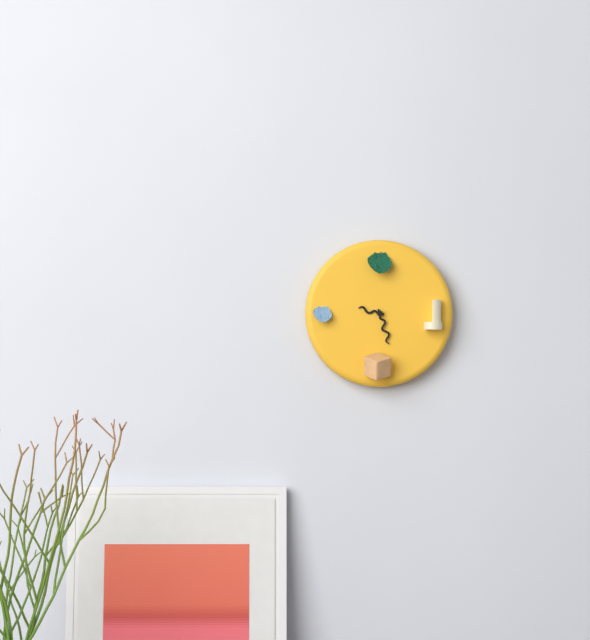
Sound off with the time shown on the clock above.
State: 9:27
